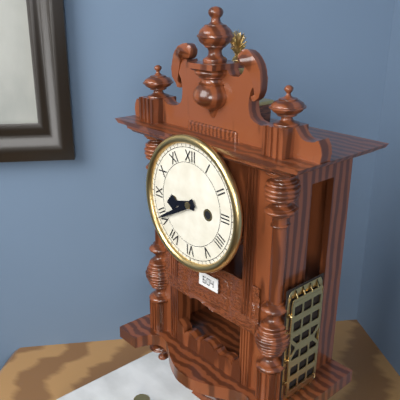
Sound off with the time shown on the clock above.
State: 8:40
